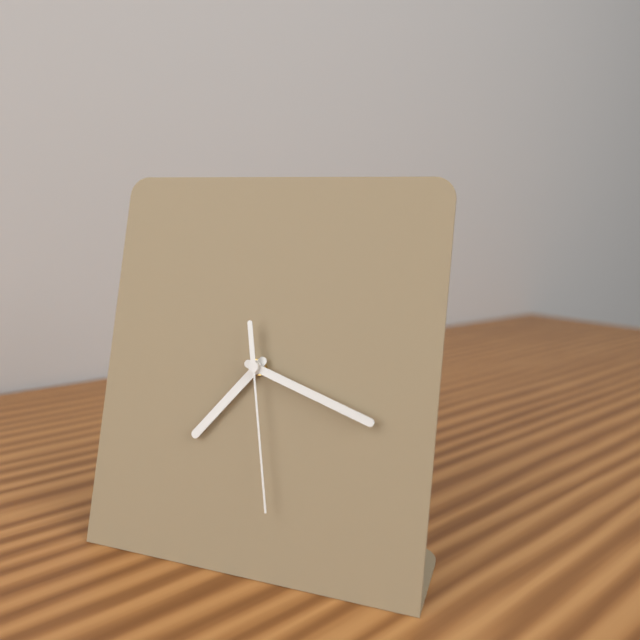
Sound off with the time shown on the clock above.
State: 7:18:28
